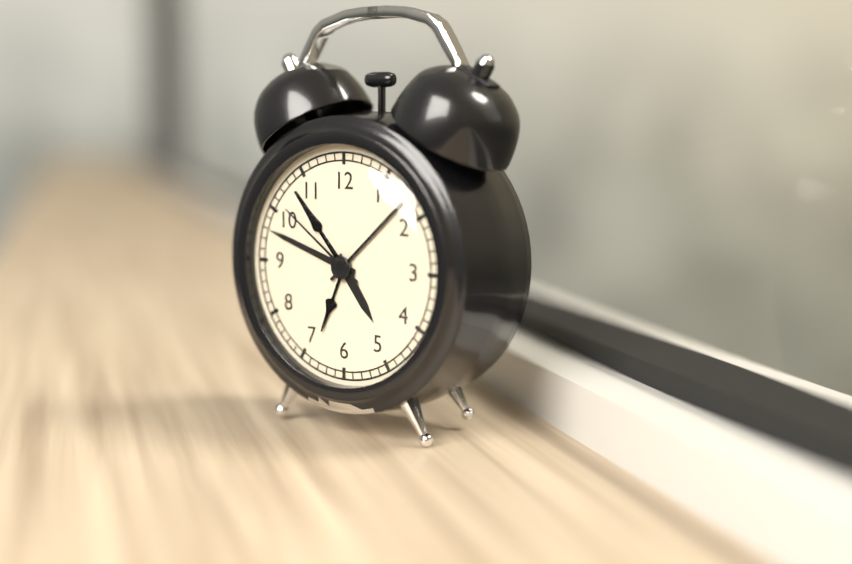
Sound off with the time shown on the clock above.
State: 4:48:51
